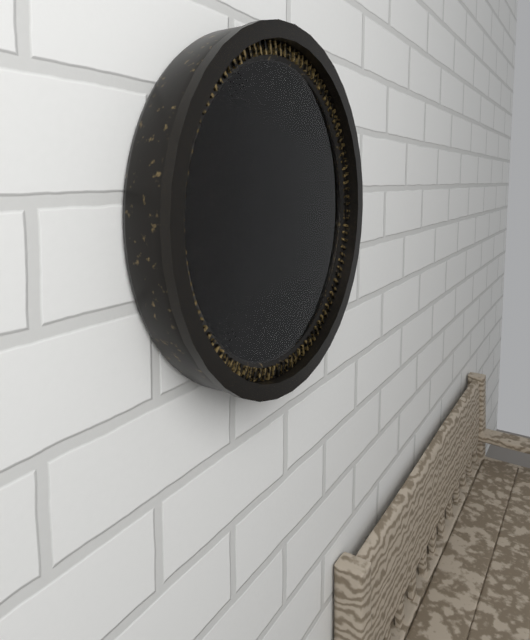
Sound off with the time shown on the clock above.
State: 8:38
